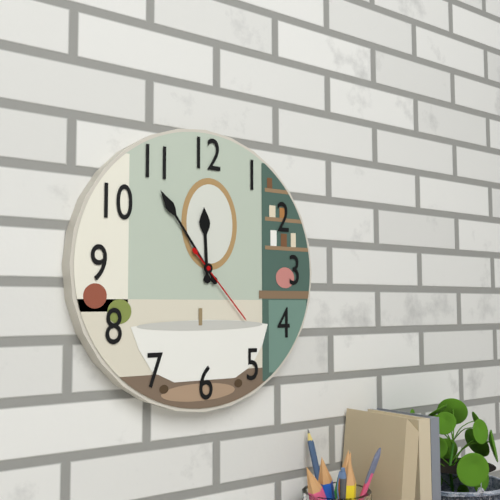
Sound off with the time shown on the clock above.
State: 11:54:23
